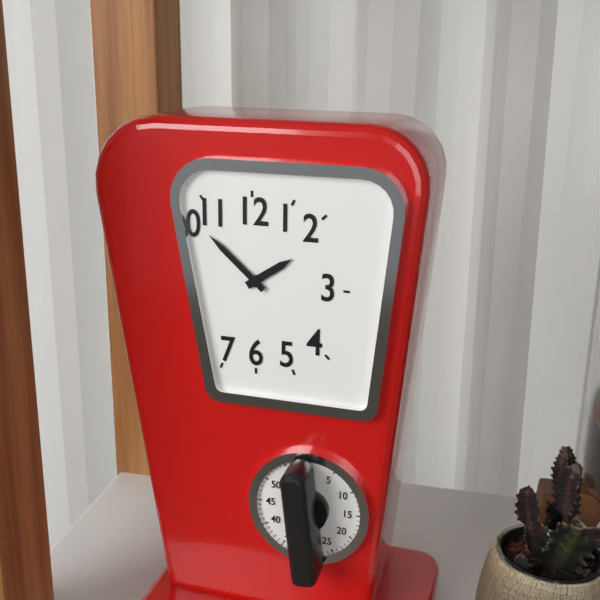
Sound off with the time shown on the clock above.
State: 1:52
